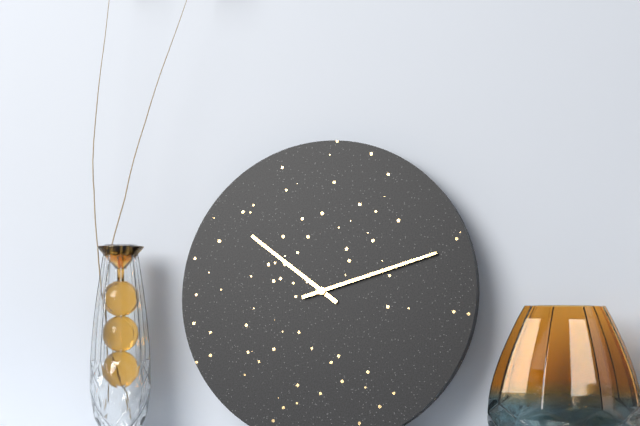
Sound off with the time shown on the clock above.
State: 10:12
